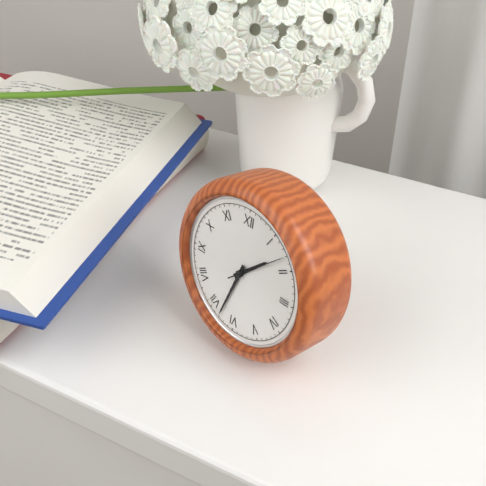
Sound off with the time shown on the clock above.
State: 1:33:08
